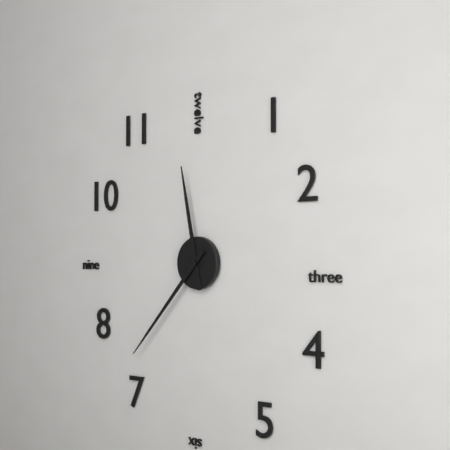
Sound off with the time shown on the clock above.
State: 11:37
